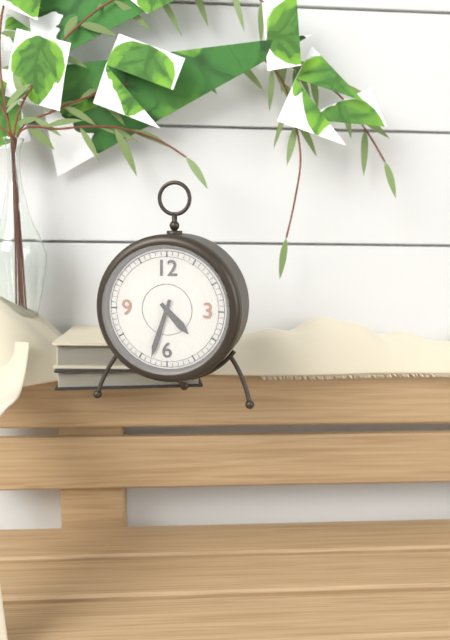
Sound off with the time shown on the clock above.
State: 4:33
